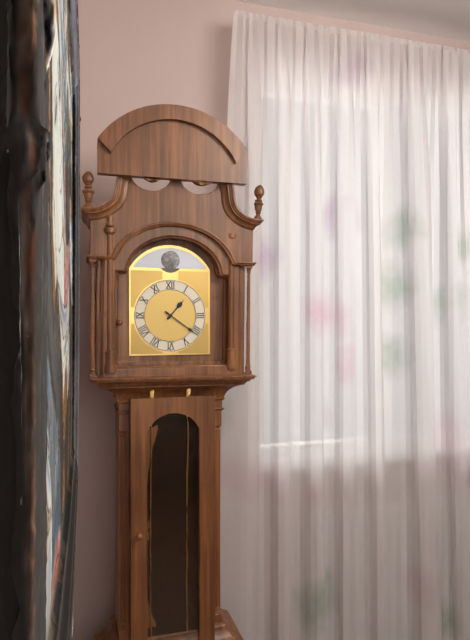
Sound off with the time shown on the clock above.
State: 1:21
